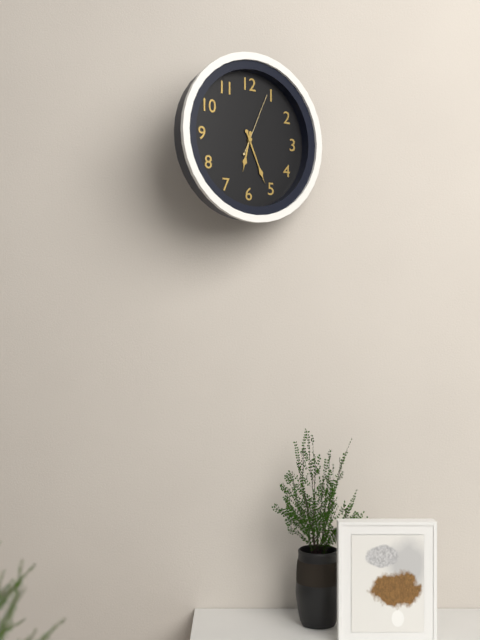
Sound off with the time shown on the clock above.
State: 6:26:04
